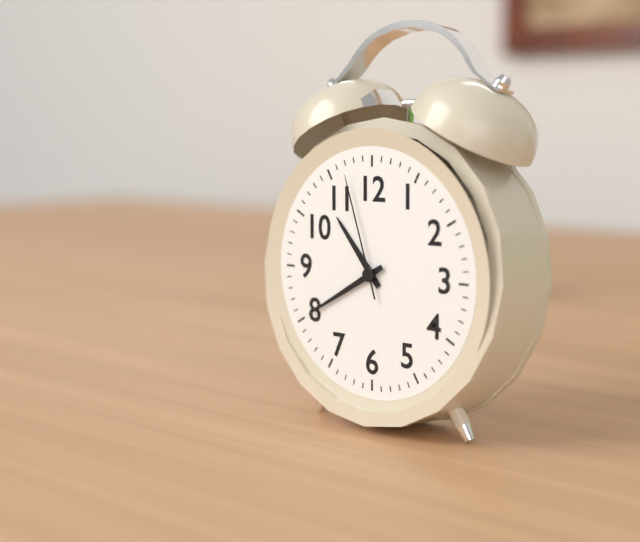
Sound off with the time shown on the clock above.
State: 10:40:57
